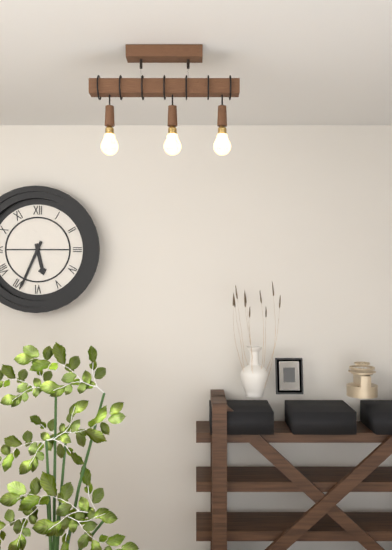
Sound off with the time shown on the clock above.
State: 5:34
